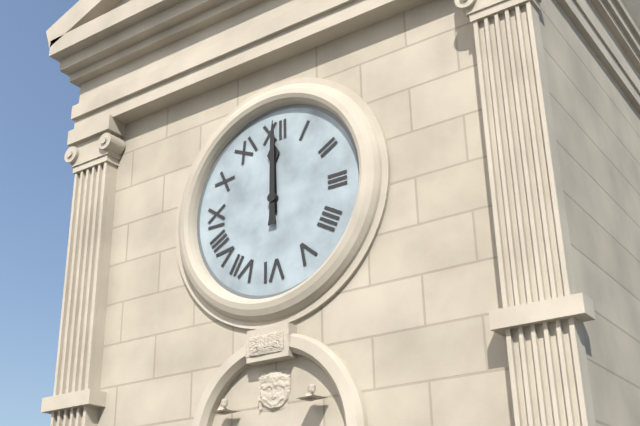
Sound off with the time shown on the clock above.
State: 12:00
